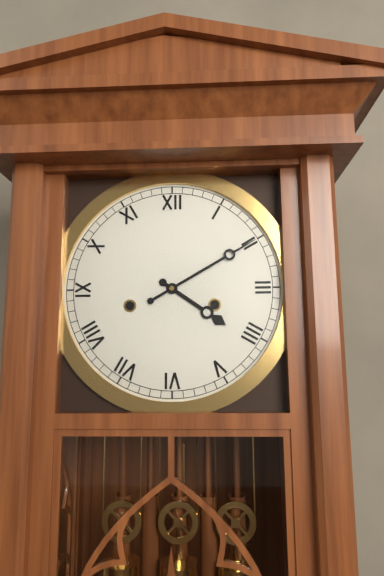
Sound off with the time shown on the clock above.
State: 4:10
